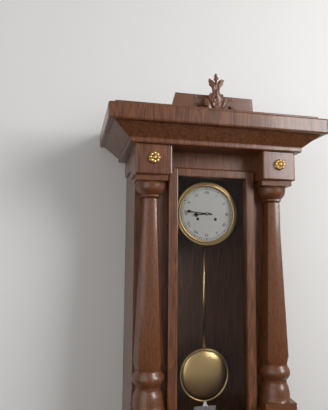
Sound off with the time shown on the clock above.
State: 8:46
